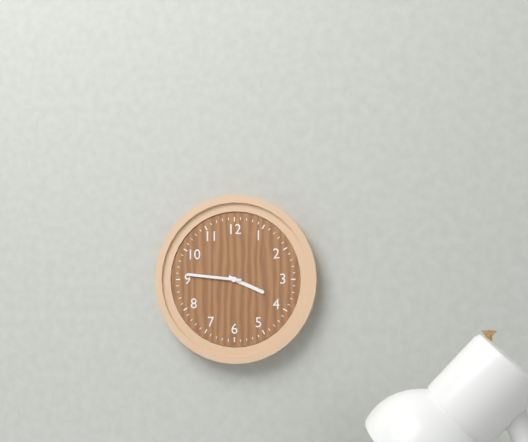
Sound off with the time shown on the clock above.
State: 3:46
